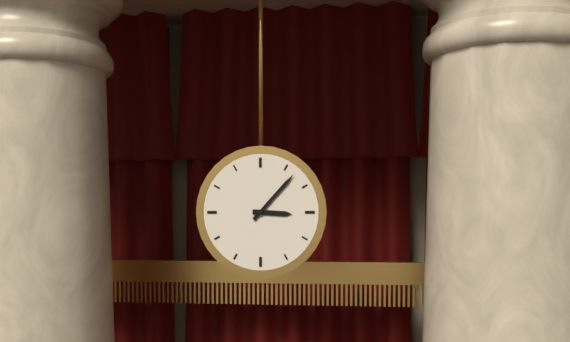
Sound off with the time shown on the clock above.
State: 3:07
